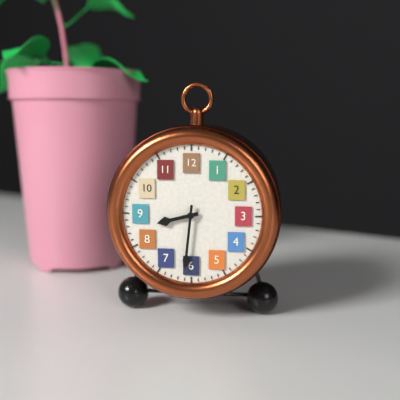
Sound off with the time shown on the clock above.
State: 8:31
